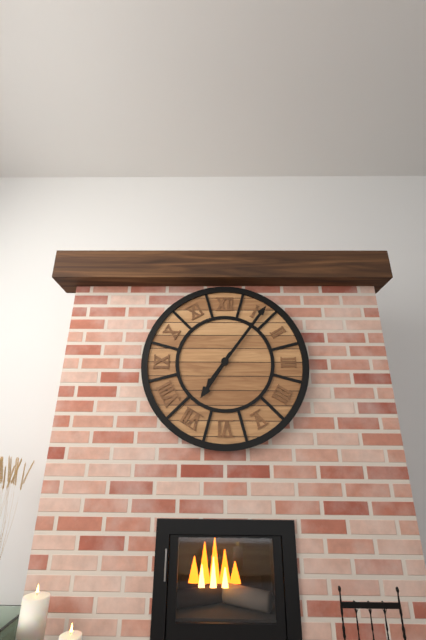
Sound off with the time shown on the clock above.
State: 7:06
